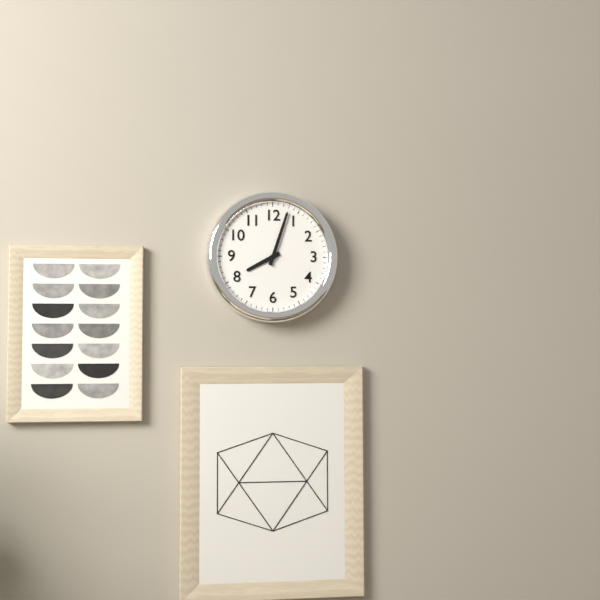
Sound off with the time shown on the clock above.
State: 8:03
